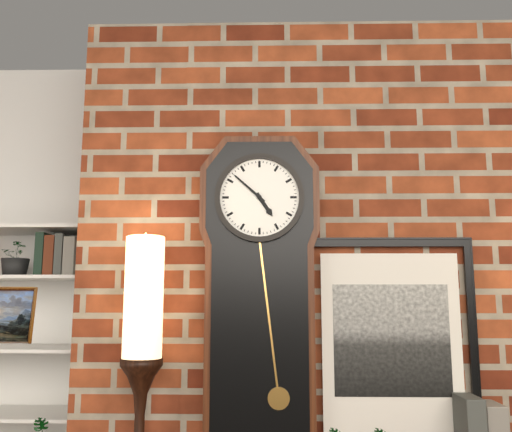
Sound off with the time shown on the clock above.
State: 4:52
